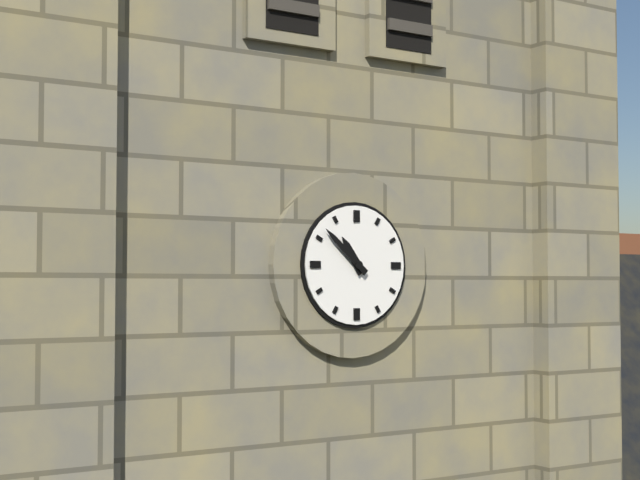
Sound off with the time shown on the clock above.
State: 10:52
